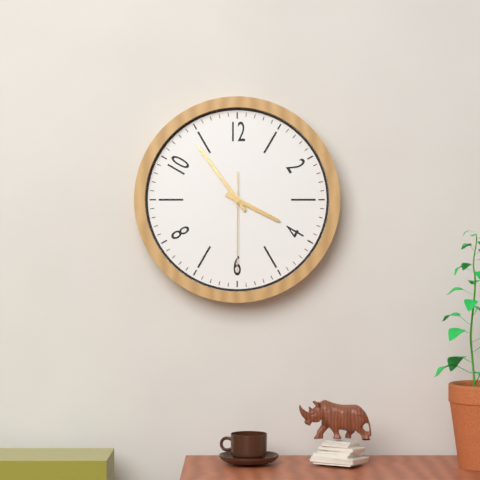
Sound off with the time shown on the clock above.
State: 3:54:30
